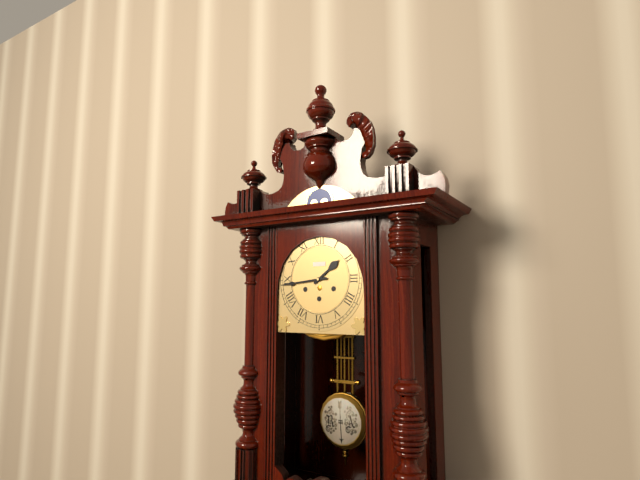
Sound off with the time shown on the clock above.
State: 1:44
